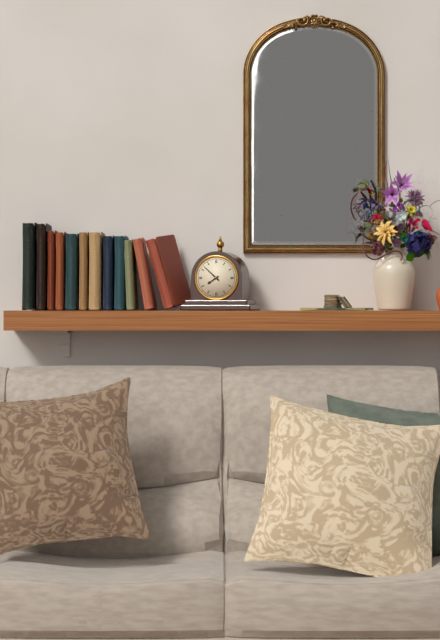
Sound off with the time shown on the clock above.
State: 7:52
